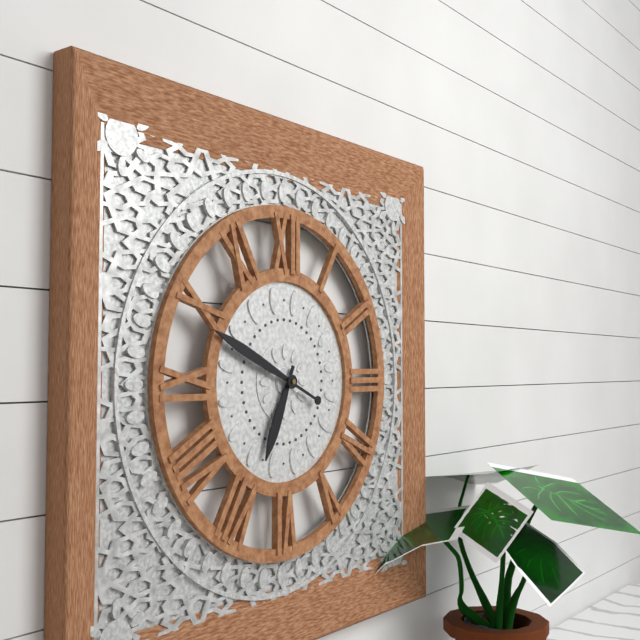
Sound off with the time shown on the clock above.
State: 6:49
